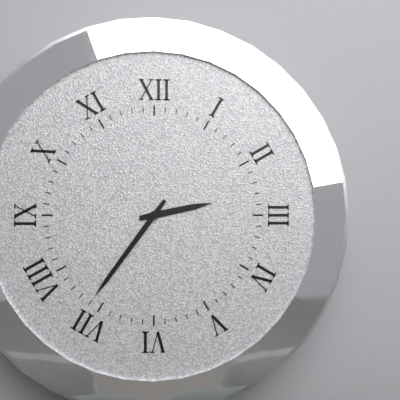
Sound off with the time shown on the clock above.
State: 2:36
